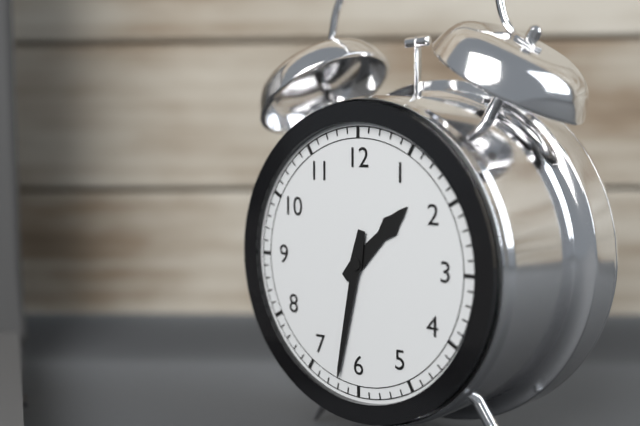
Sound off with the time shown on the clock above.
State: 1:32
